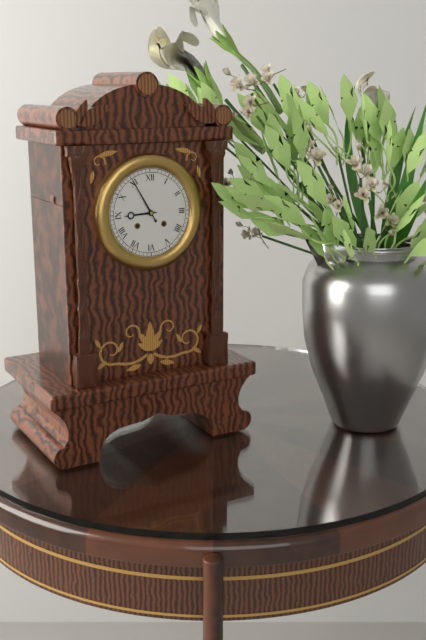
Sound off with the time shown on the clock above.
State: 8:55
